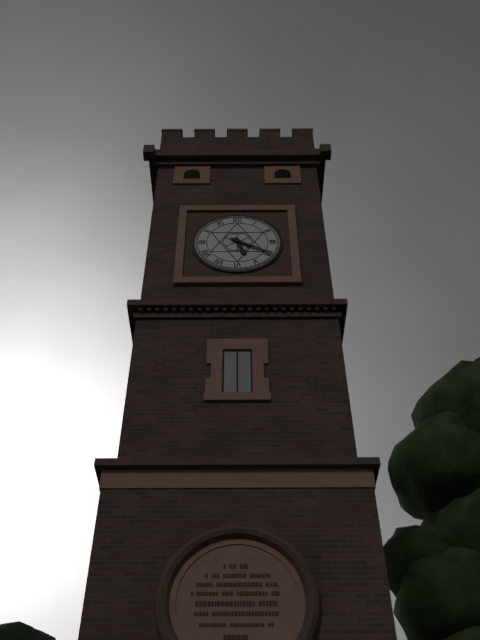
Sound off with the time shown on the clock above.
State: 5:20
